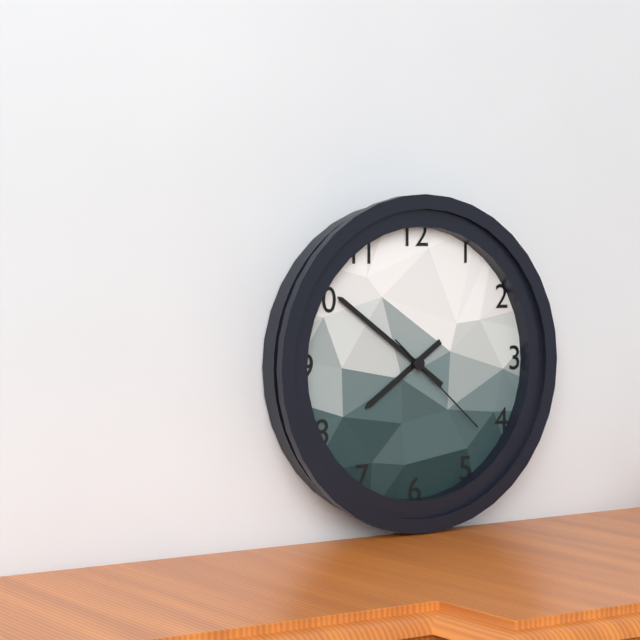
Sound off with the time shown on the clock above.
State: 7:51:22
